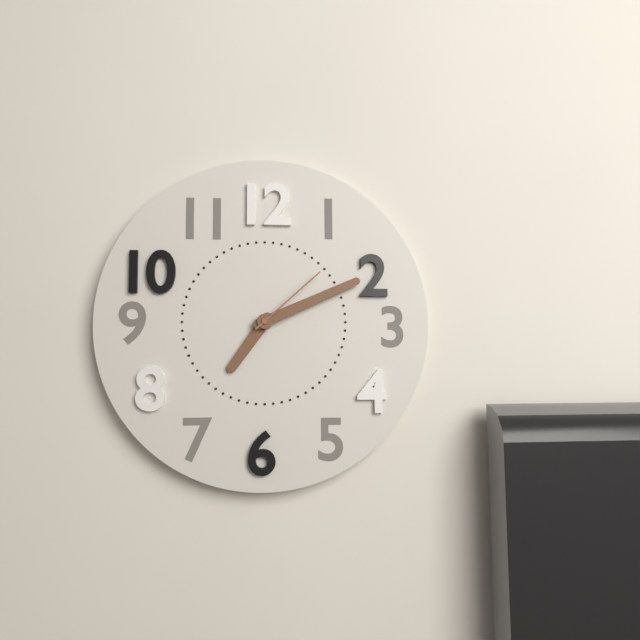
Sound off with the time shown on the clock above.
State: 7:11:08
